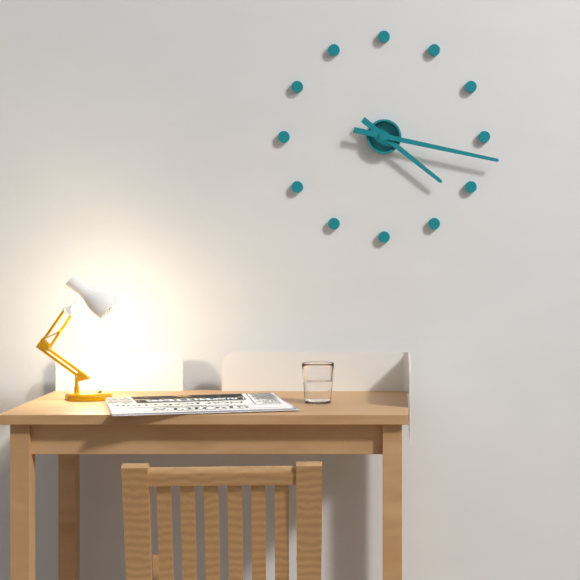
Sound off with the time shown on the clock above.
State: 4:17
